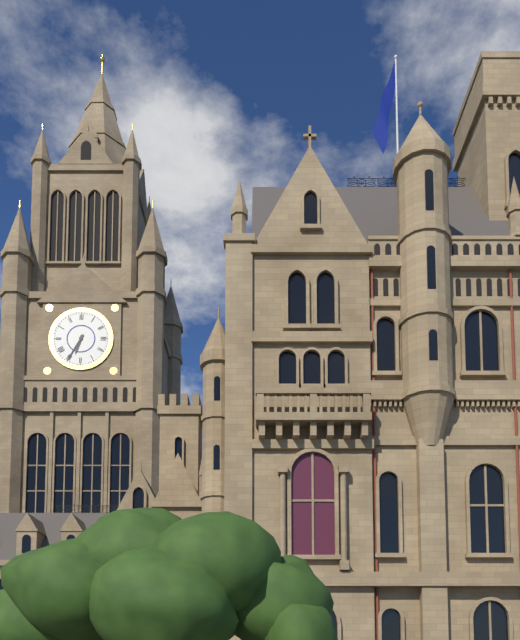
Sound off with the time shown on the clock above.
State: 6:35
